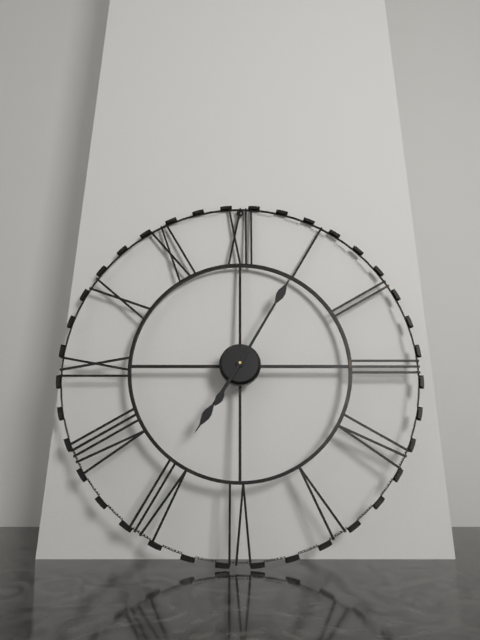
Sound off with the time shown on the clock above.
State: 7:05
